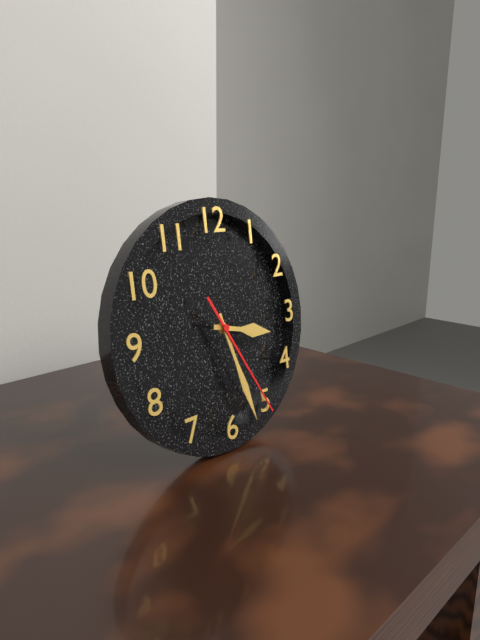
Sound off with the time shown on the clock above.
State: 3:27:25
